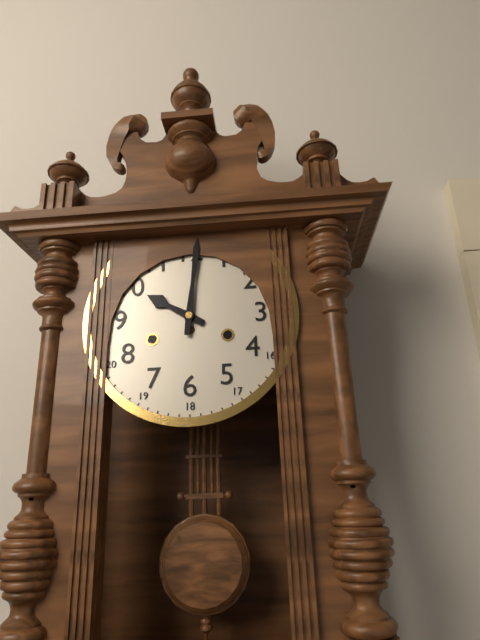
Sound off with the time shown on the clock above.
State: 10:01
